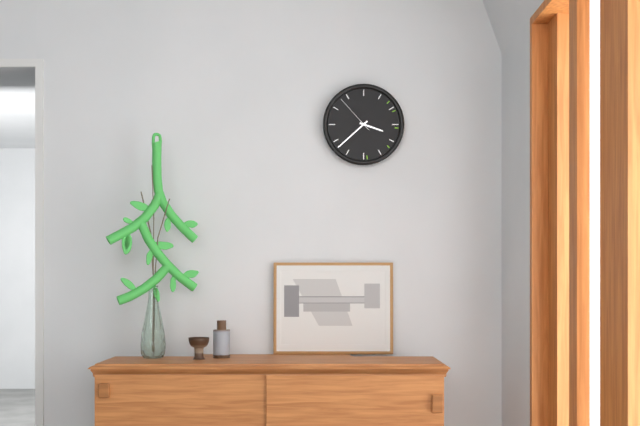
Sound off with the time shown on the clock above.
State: 3:38
